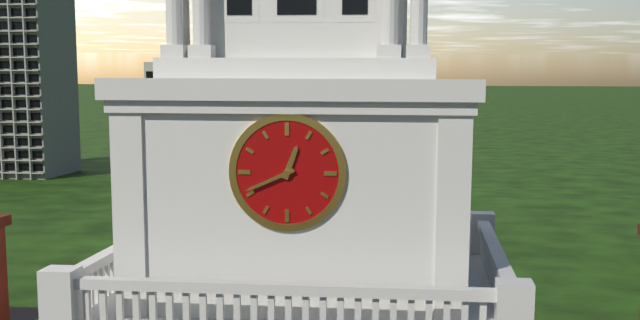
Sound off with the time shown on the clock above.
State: 12:41
